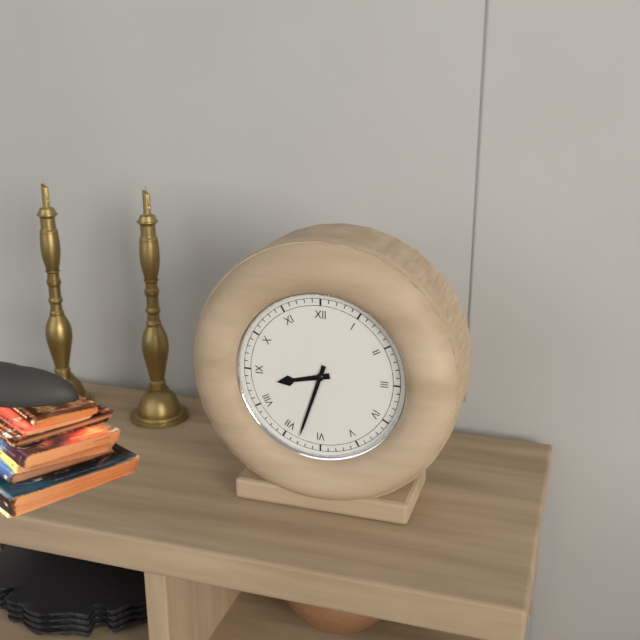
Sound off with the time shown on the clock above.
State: 8:33
